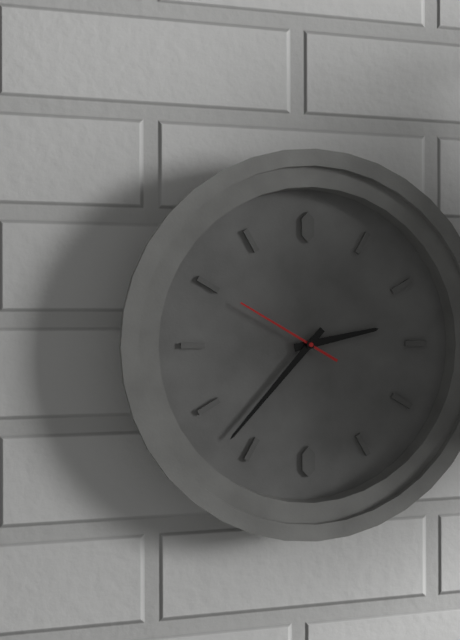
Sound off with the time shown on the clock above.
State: 2:37:50
